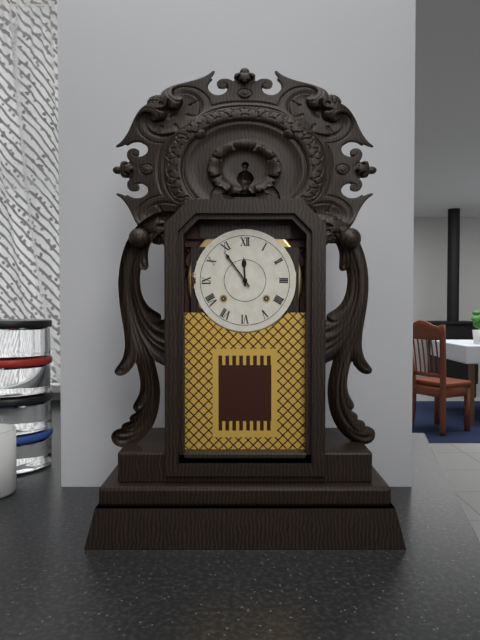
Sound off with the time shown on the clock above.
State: 11:54
